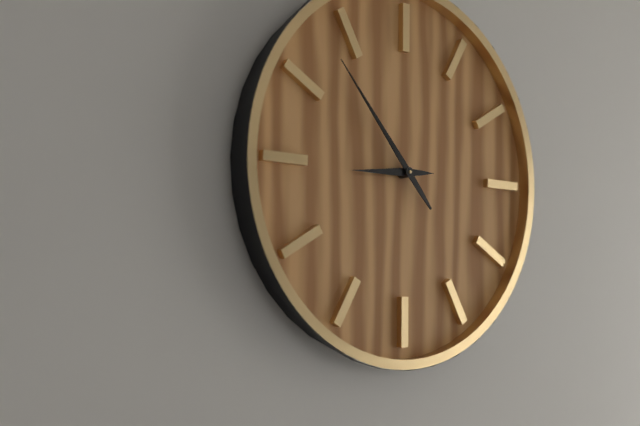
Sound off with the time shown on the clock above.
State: 8:53
